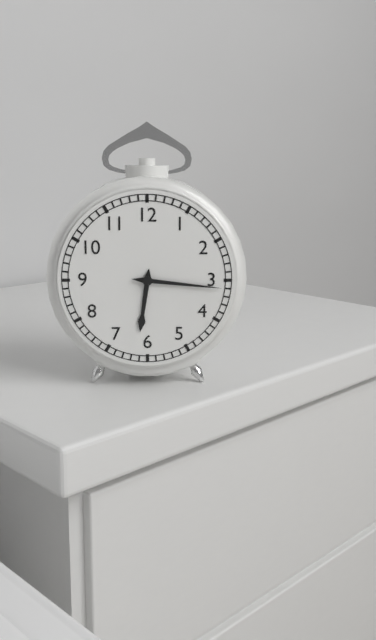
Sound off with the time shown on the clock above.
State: 6:16
